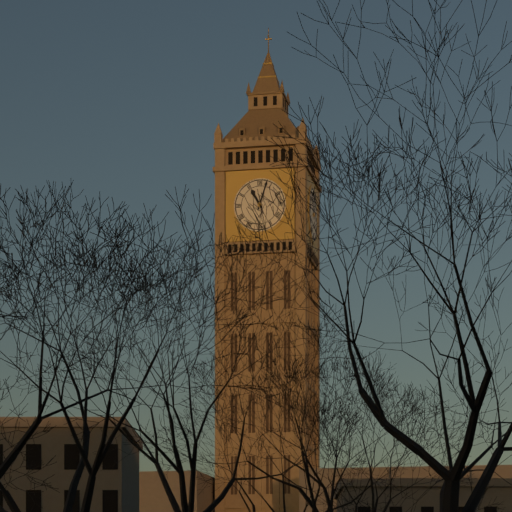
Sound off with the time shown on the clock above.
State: 11:03
